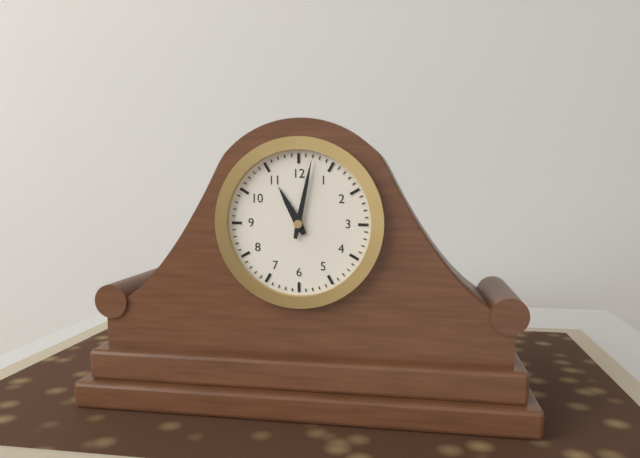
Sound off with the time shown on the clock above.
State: 11:02
